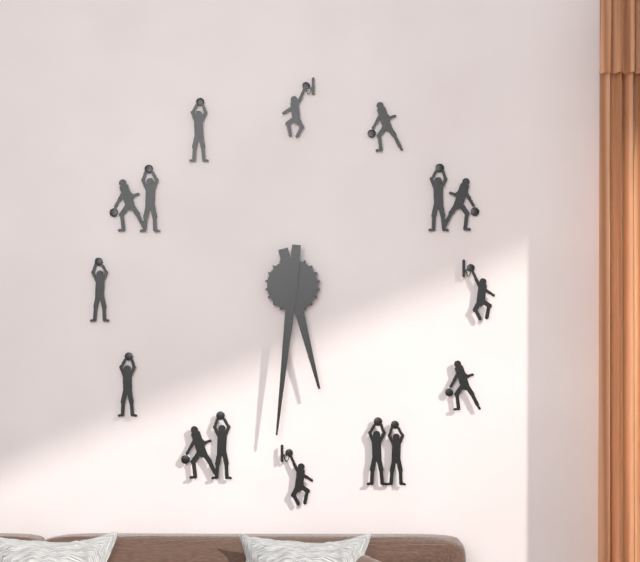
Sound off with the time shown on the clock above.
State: 5:31
